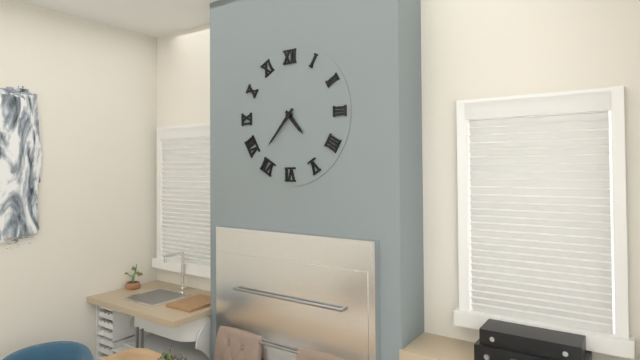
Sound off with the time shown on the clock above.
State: 4:37
